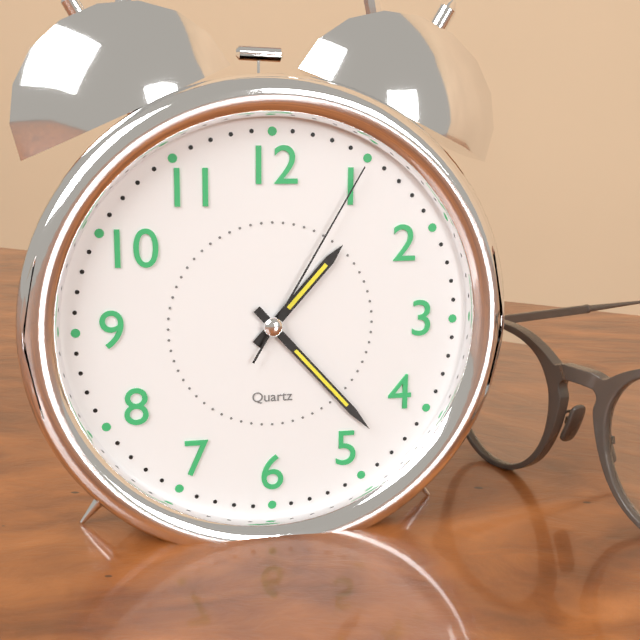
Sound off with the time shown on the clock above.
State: 1:23:05
